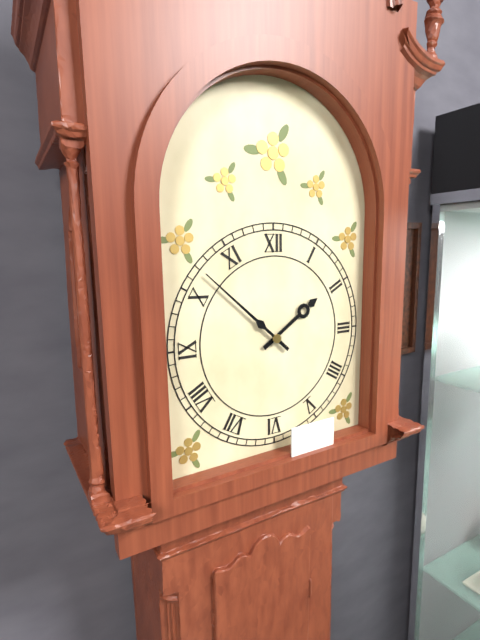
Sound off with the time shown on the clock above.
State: 1:52
